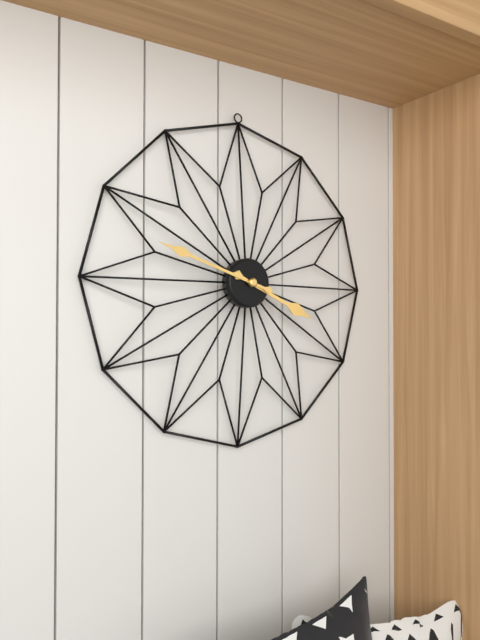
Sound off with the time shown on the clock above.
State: 3:48
